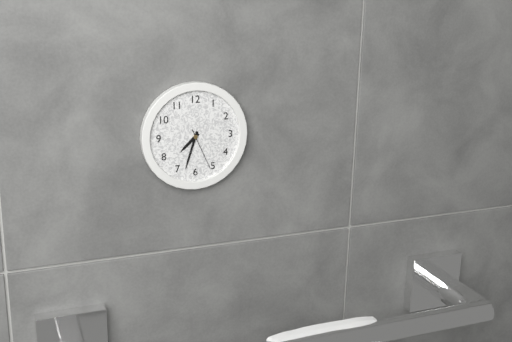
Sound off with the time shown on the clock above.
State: 7:33
